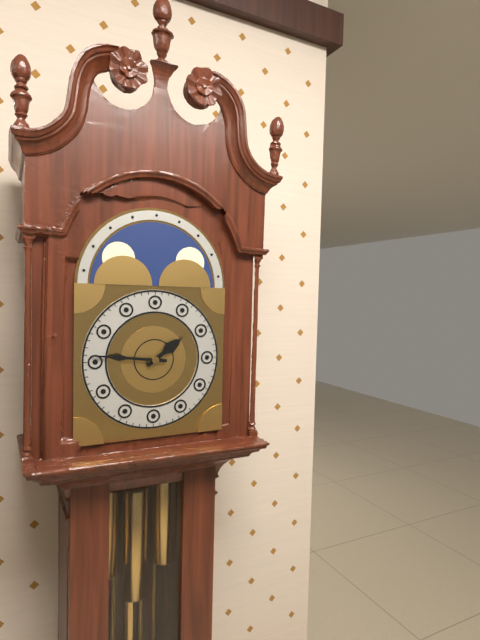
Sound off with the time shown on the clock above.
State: 1:46
